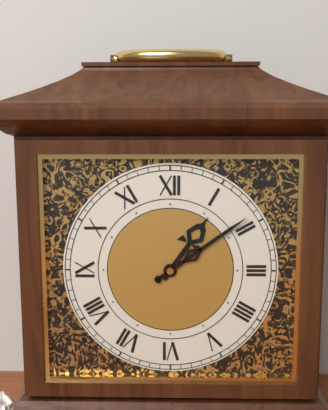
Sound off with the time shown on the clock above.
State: 1:09
